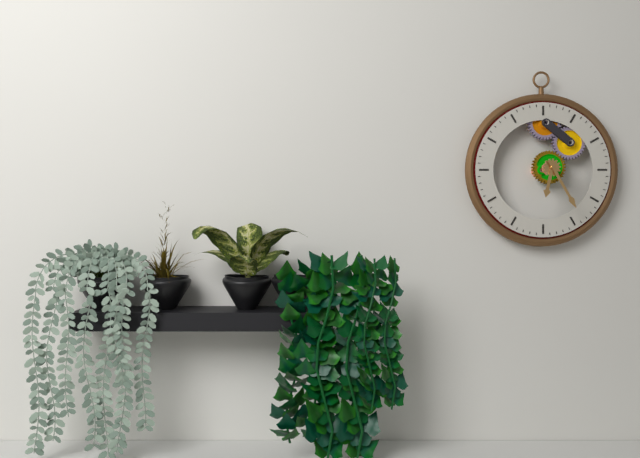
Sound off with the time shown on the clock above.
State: 6:25
